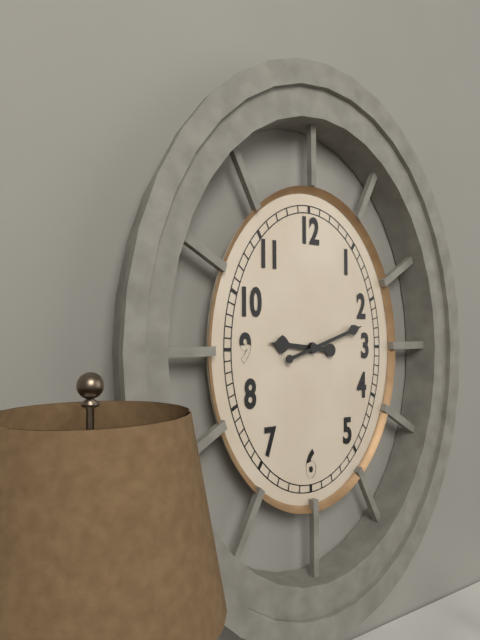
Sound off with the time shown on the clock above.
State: 9:12
